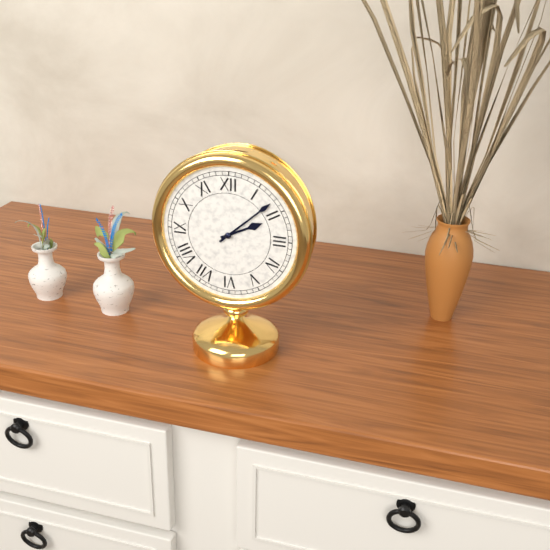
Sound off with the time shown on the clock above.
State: 2:08
